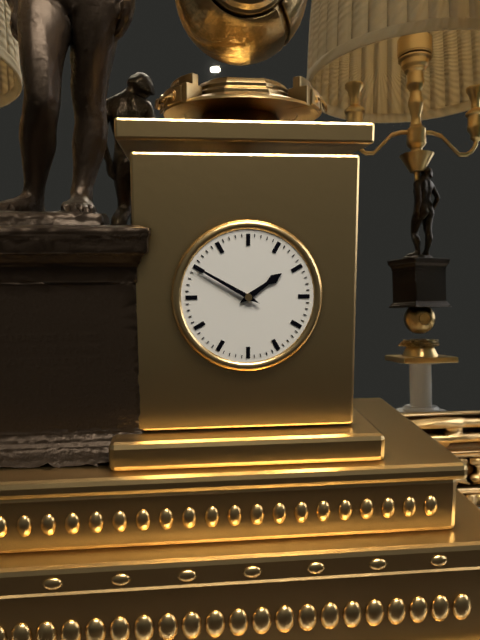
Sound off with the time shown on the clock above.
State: 1:50
